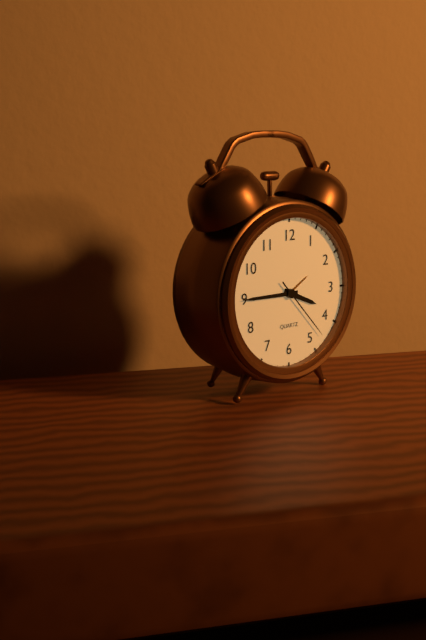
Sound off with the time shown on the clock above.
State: 3:45:23
